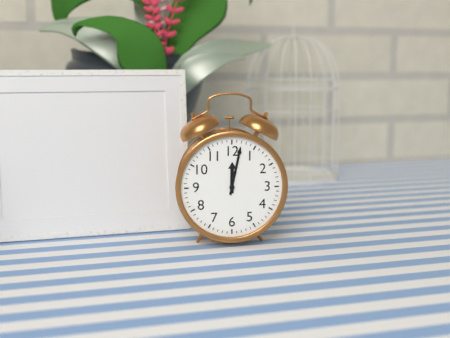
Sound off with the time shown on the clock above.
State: 12:02
